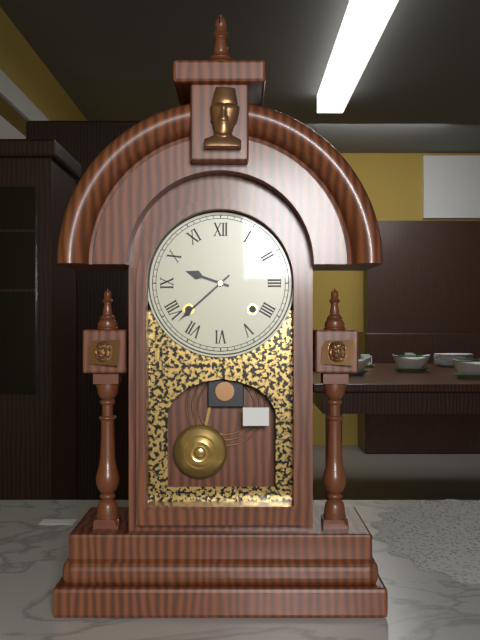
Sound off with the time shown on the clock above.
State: 9:38
